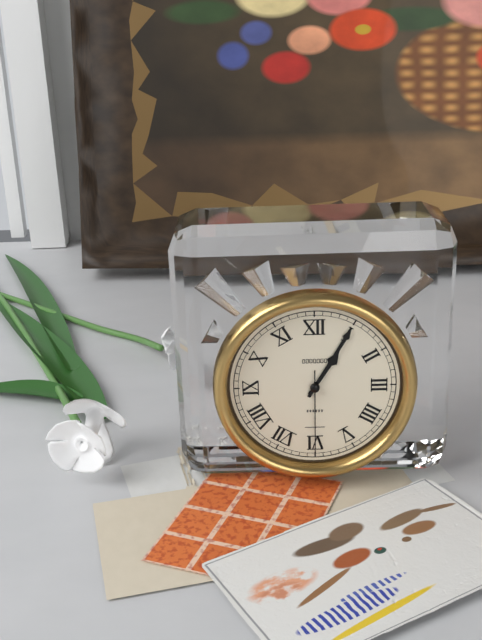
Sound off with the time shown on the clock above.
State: 1:05:30
